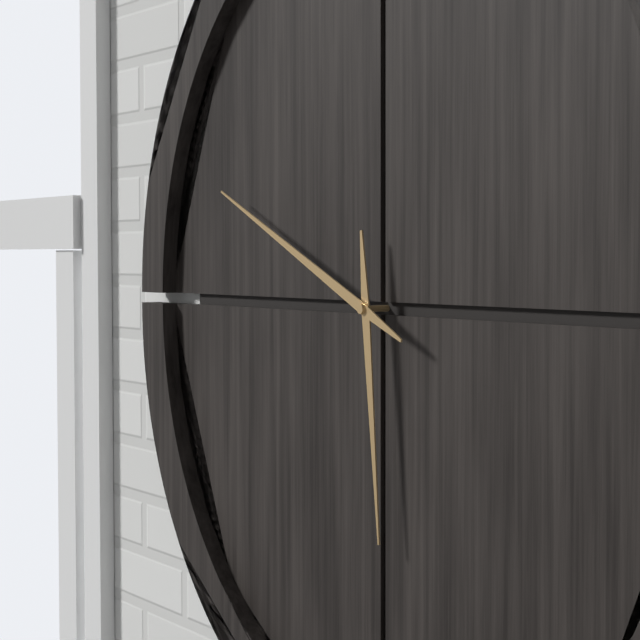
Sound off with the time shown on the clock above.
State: 5:49
